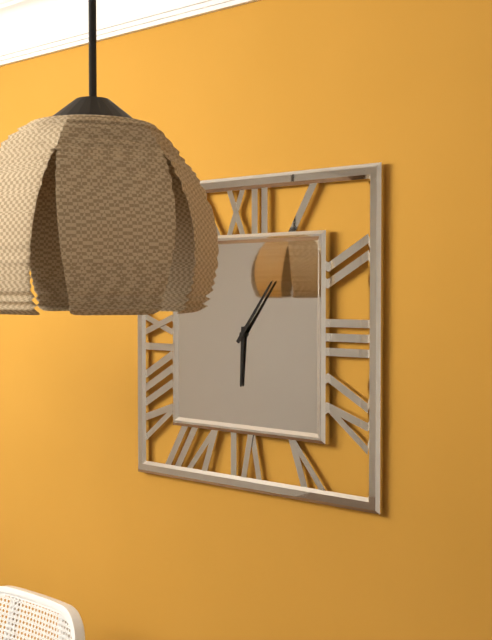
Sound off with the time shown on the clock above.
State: 6:06
